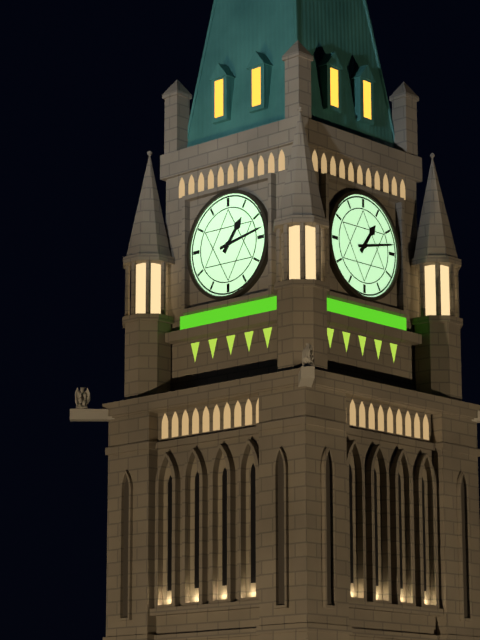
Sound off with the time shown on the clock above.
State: 1:13
